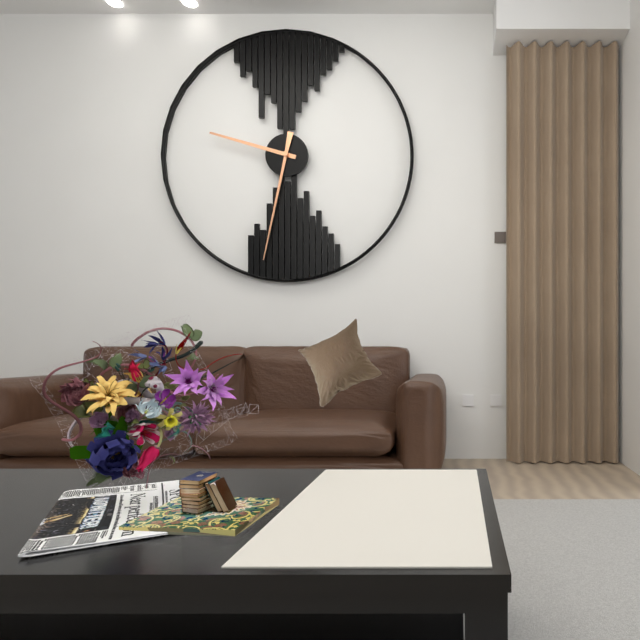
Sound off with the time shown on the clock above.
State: 9:32
